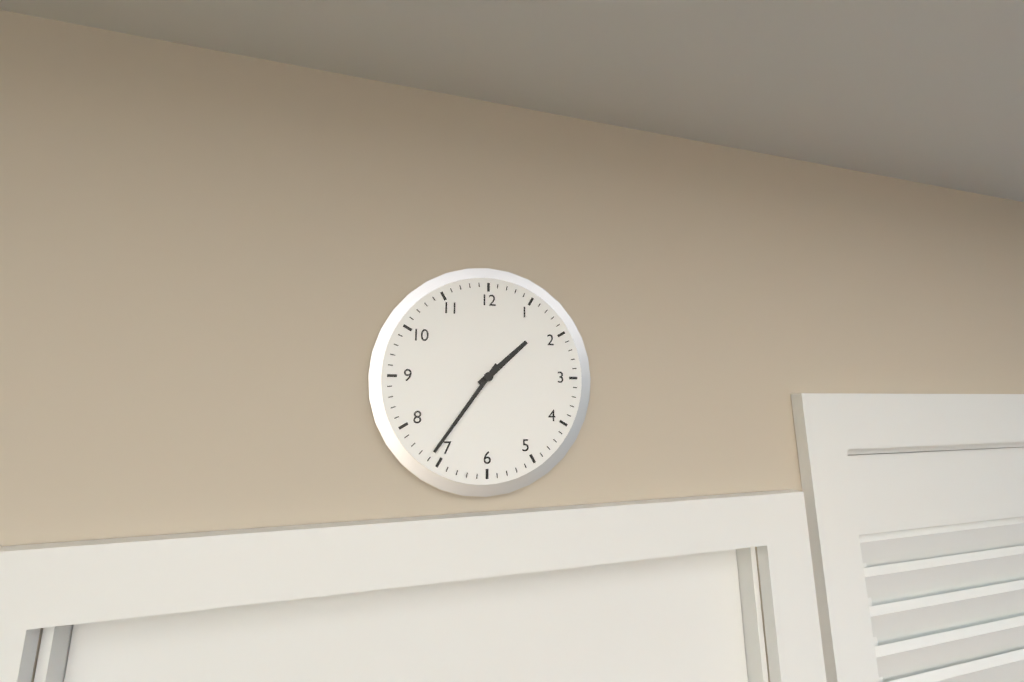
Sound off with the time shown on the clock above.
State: 1:36
